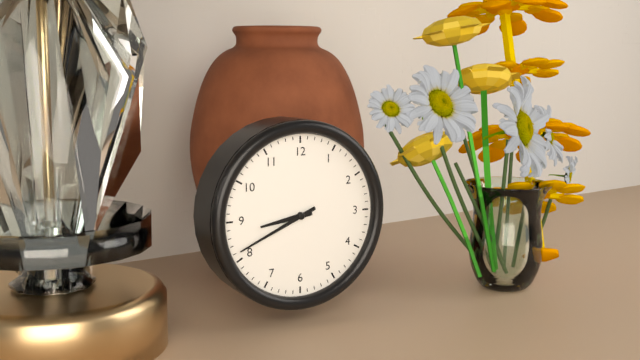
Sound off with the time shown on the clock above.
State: 8:41
